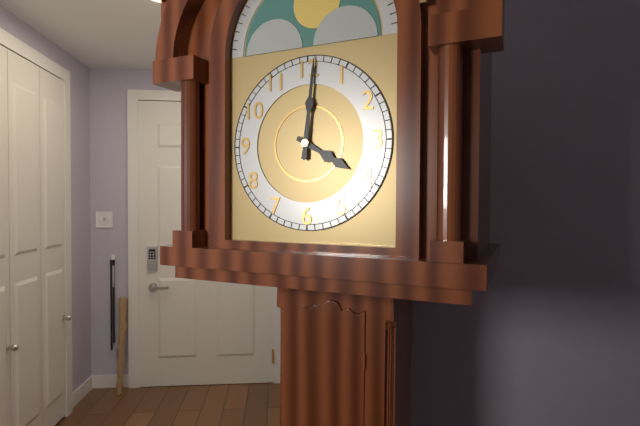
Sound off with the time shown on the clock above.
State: 4:01
